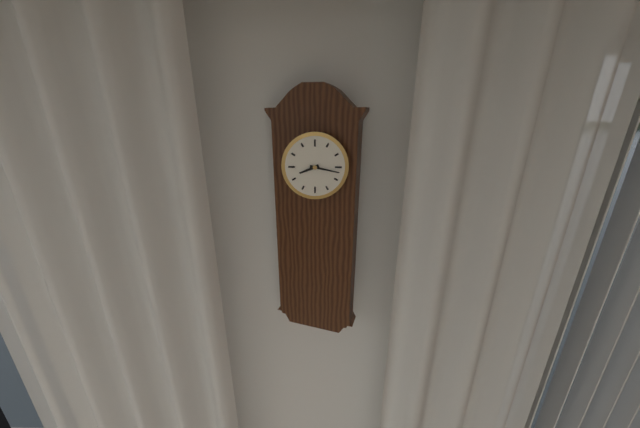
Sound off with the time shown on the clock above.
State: 8:17
